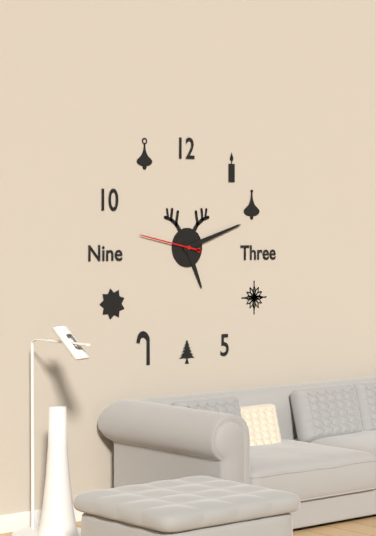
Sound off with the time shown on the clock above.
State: 5:12:47
